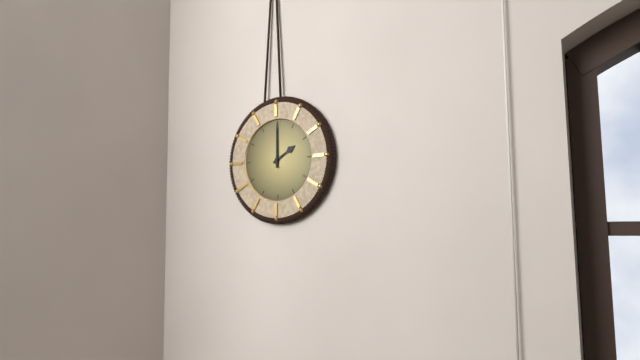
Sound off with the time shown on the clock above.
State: 2:00
